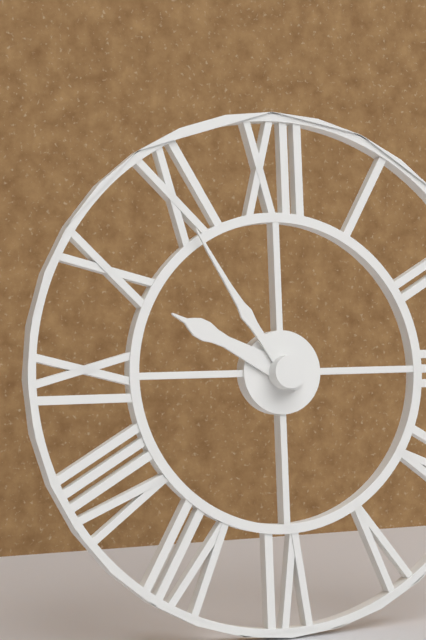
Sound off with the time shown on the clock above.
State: 9:54
